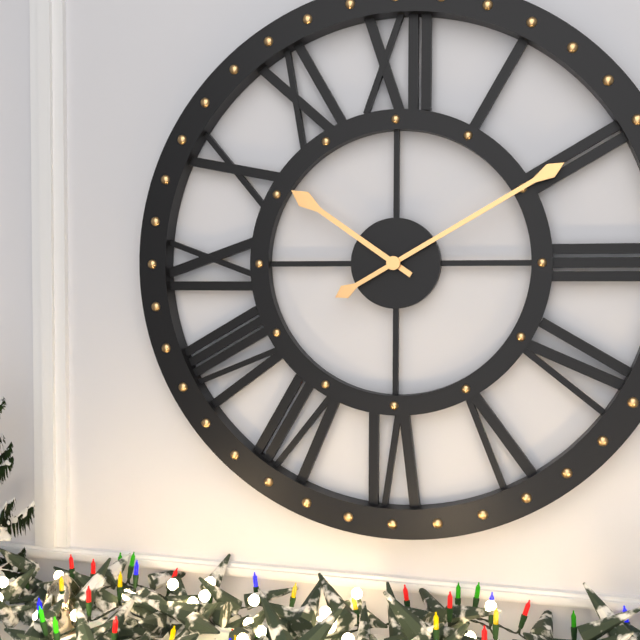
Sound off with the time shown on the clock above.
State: 10:10
